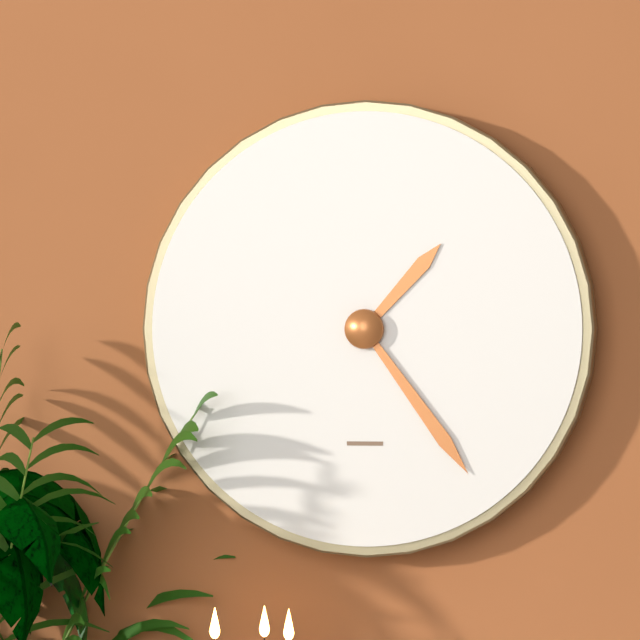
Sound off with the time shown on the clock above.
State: 1:24
